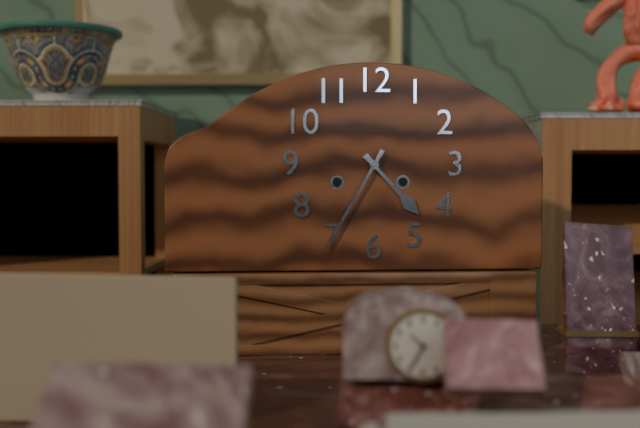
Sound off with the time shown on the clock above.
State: 4:35
